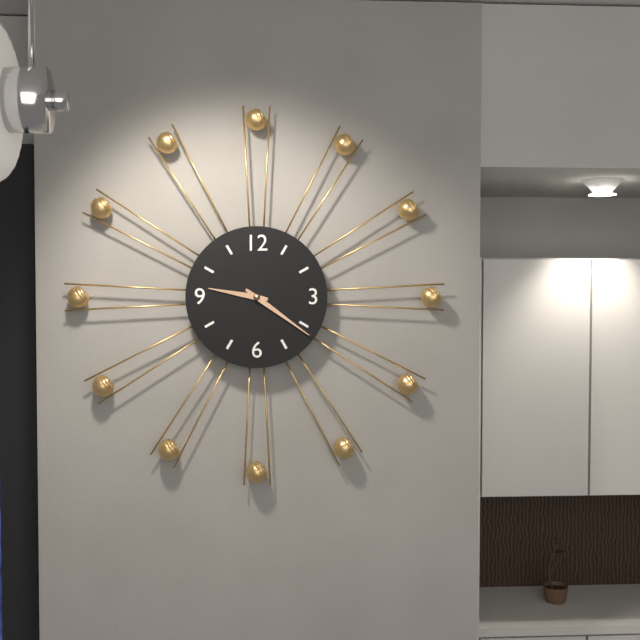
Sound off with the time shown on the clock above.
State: 9:21
